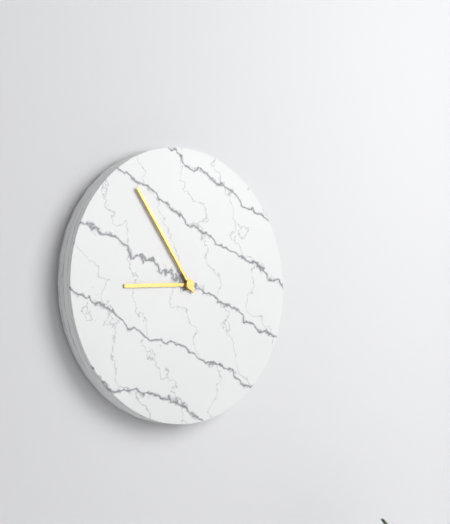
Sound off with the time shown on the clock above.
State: 8:54
